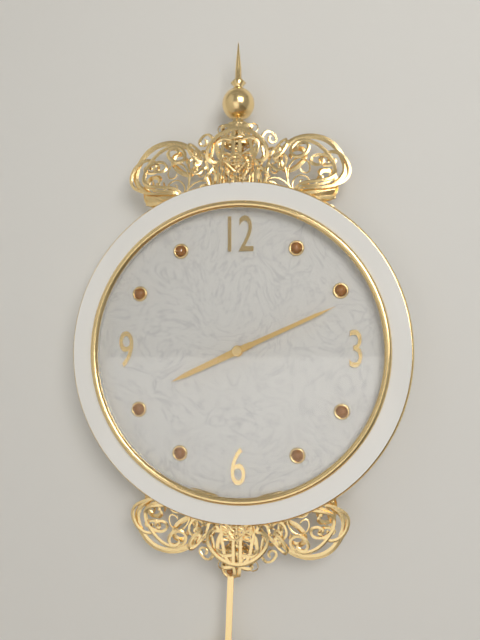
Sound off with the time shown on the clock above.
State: 8:11
